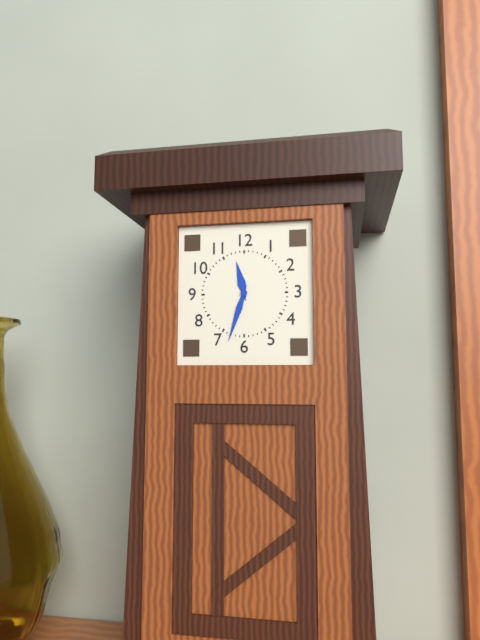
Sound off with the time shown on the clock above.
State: 11:33
